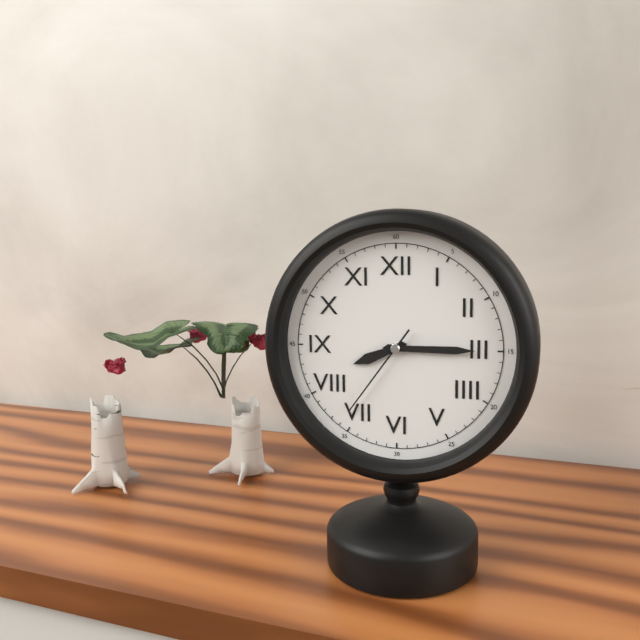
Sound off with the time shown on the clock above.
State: 8:15:36
